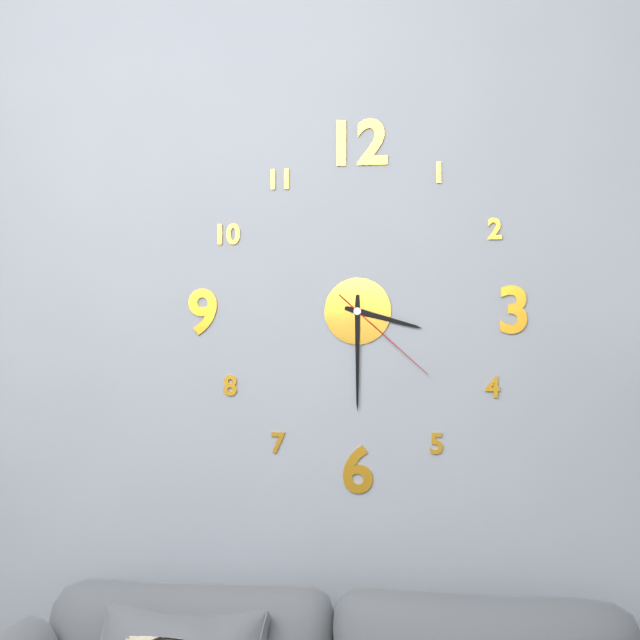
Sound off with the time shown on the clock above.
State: 3:30:22
